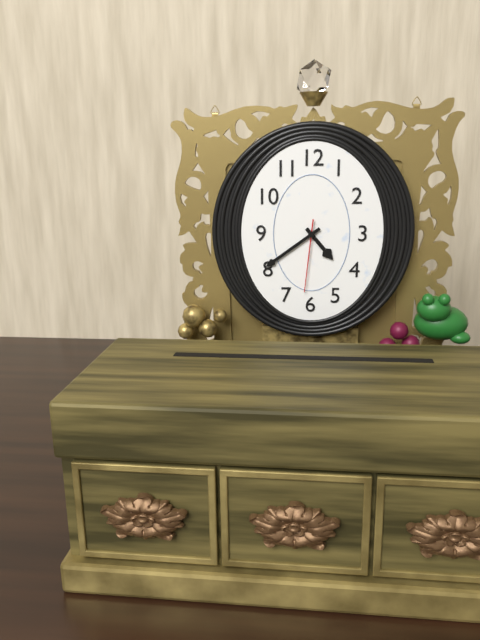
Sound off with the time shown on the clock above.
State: 4:39:31
